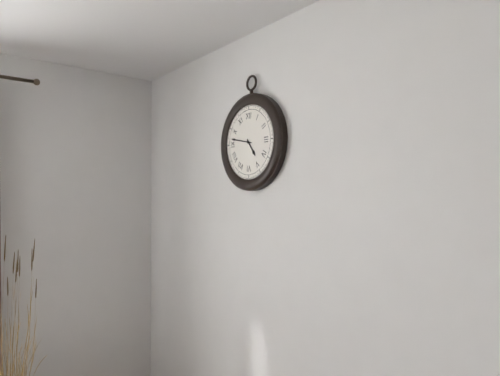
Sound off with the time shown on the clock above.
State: 4:47
